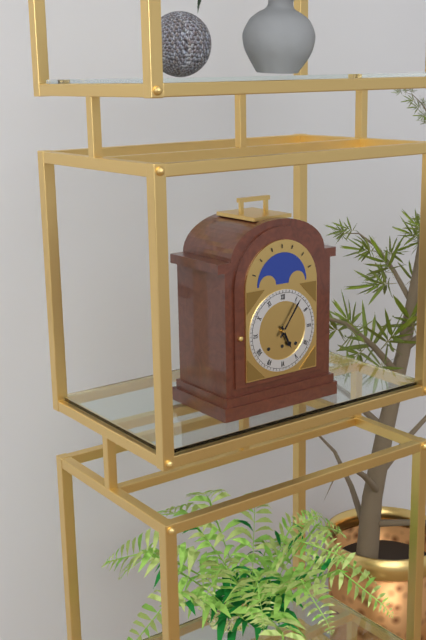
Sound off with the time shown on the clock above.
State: 5:06
